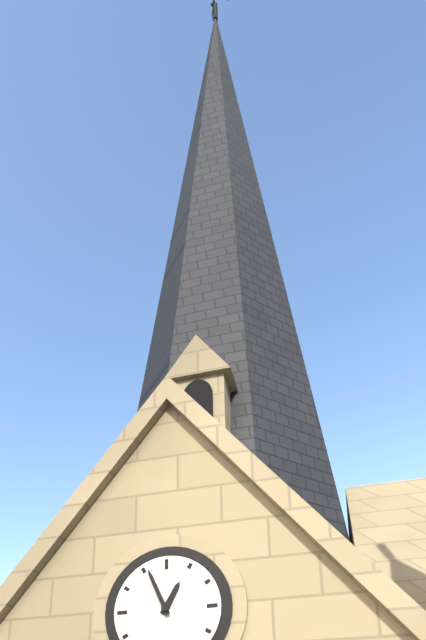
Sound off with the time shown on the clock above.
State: 12:56
